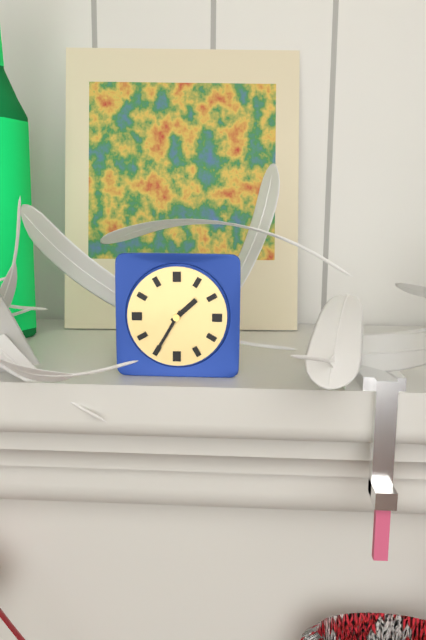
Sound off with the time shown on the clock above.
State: 1:35
